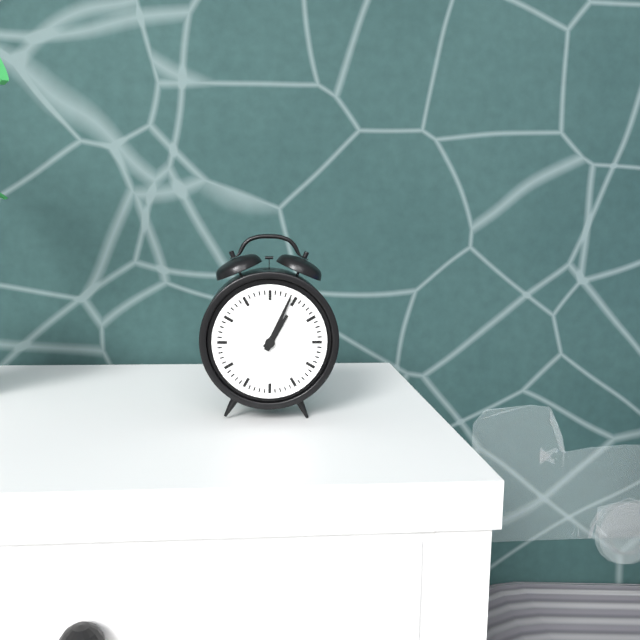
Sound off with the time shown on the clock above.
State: 1:04
